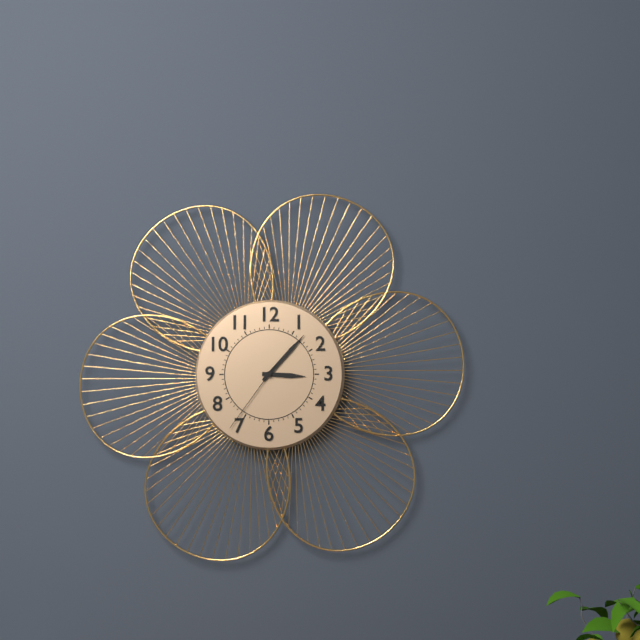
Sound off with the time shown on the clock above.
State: 3:07:36
